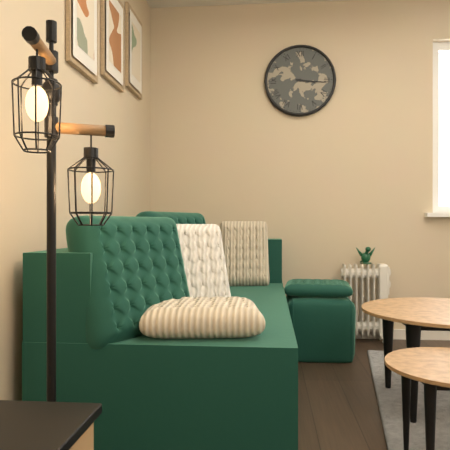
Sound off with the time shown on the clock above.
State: 3:16
